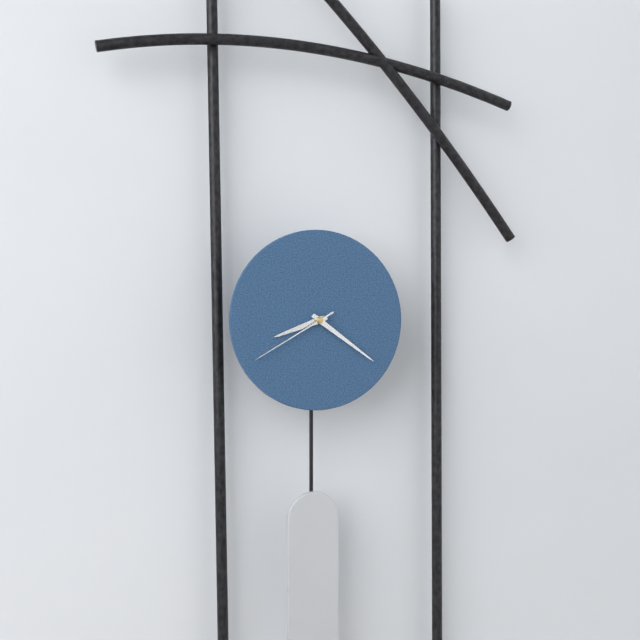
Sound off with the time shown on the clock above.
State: 8:21:40
